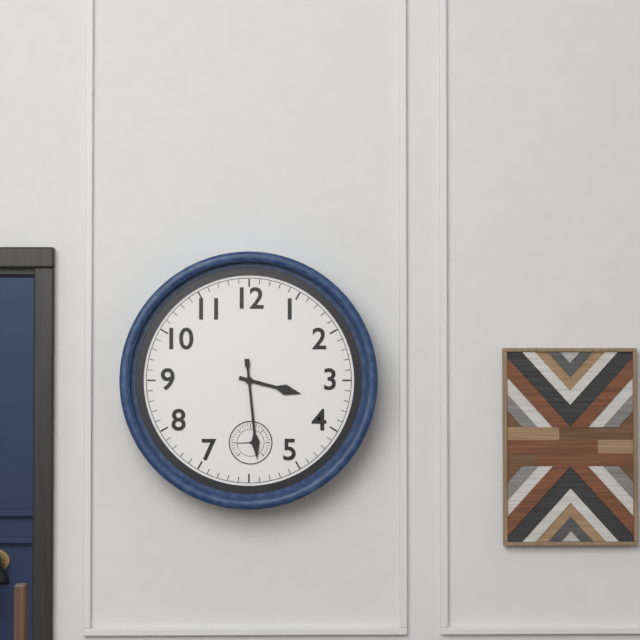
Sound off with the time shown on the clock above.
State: 3:29
